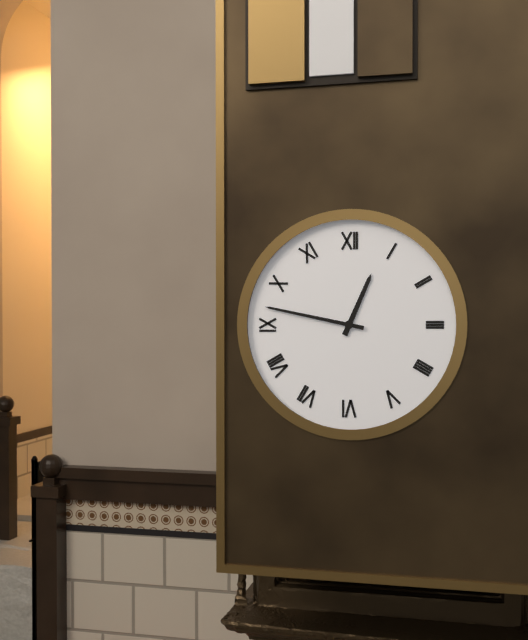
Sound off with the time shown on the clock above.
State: 12:47
